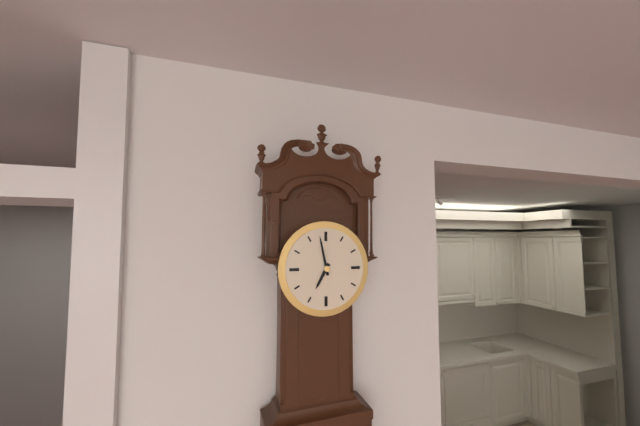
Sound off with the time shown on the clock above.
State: 6:58
